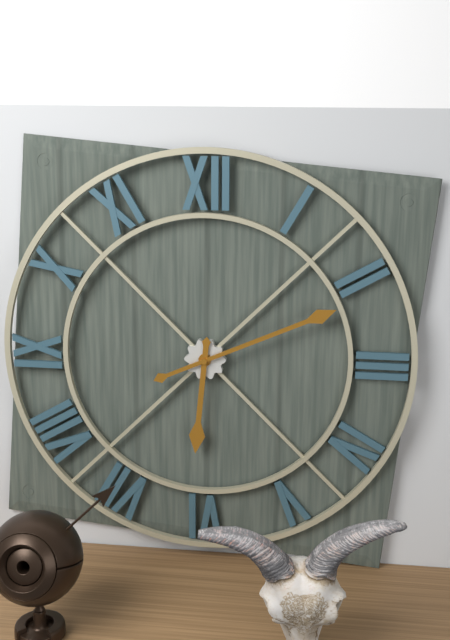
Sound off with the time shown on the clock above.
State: 6:11
